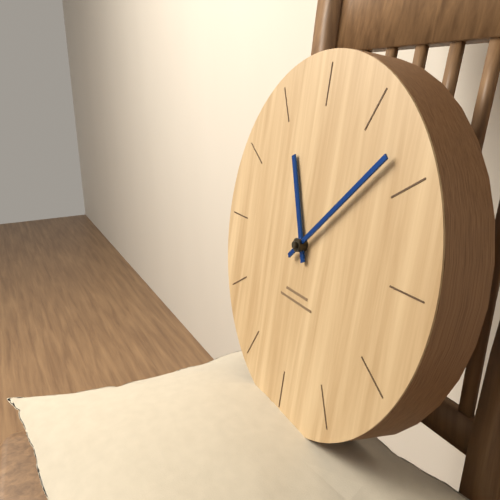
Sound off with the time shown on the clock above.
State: 11:08
